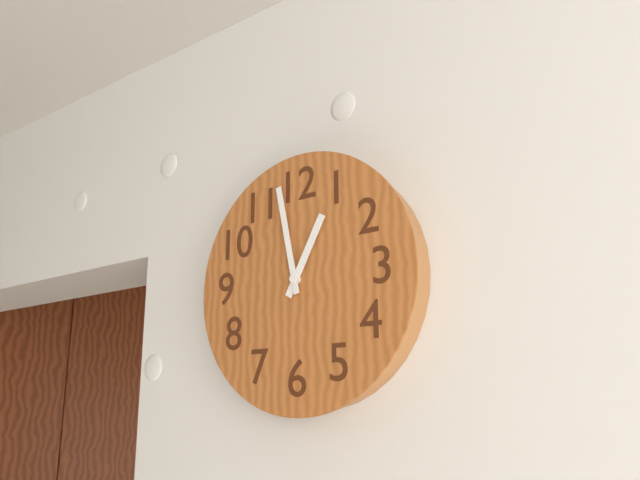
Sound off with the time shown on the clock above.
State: 12:58
